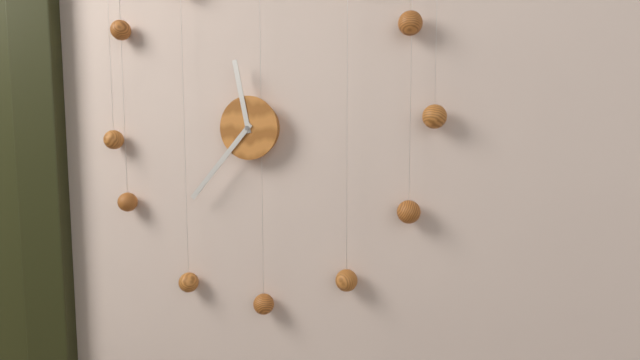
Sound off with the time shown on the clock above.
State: 11:37
